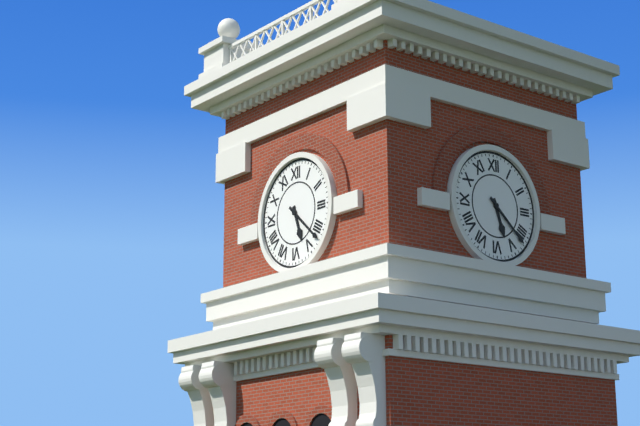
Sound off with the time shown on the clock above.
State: 5:22
